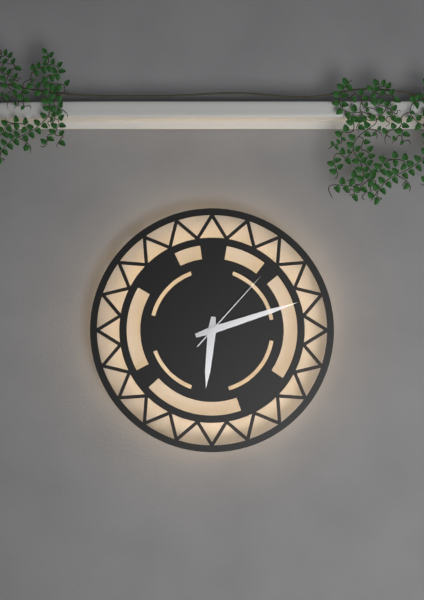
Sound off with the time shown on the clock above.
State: 6:12:07
